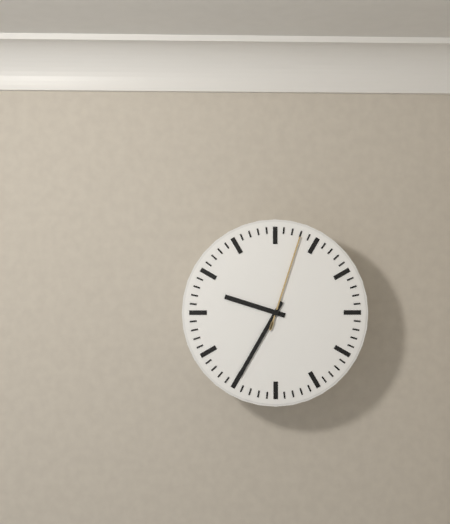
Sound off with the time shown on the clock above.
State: 9:35:03
